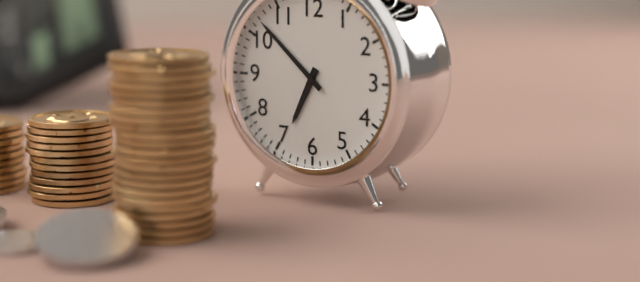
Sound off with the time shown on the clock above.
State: 6:52
